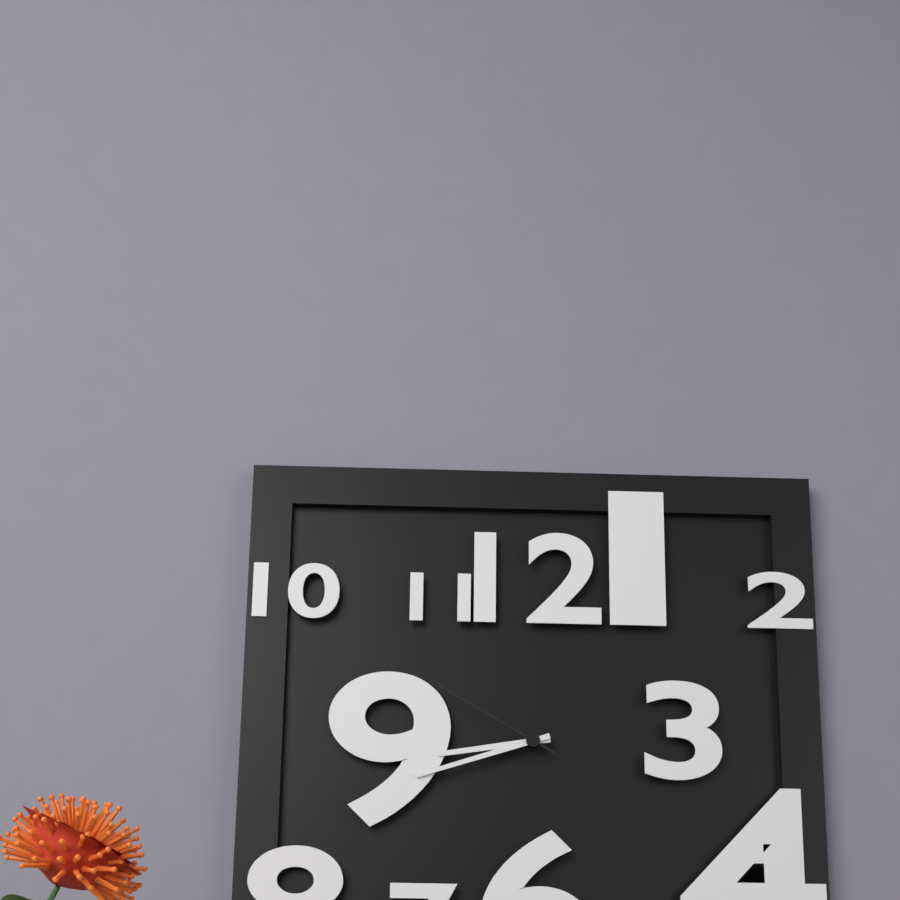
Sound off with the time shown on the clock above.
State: 8:42:50
